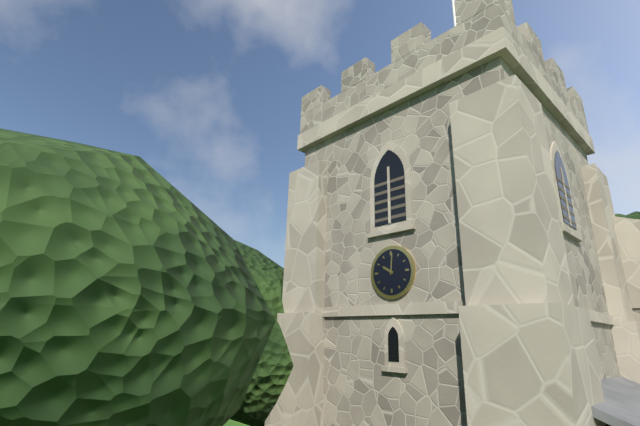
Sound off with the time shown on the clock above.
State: 10:01
